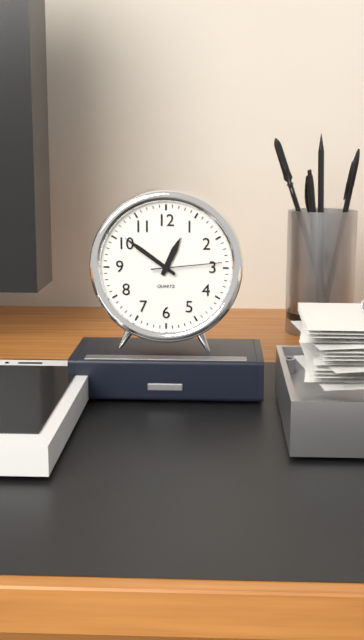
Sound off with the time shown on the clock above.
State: 12:51:14
